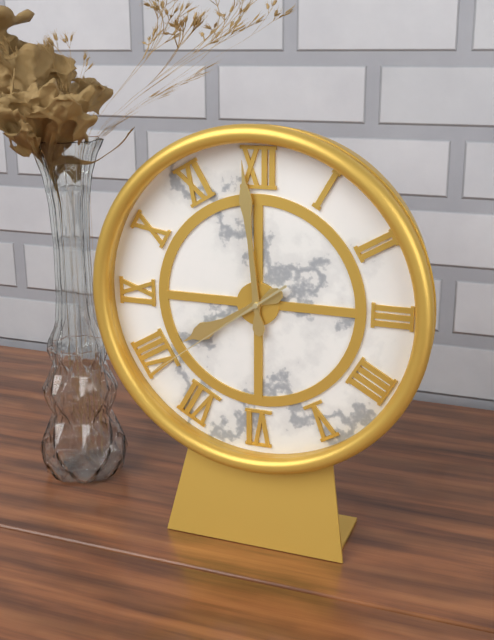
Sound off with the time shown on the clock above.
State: 7:59:39
